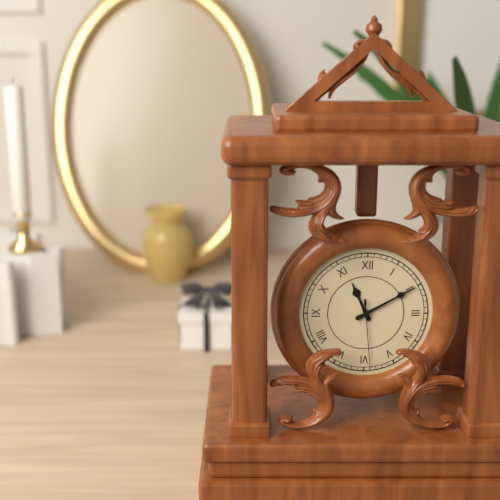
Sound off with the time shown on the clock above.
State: 11:10:29
